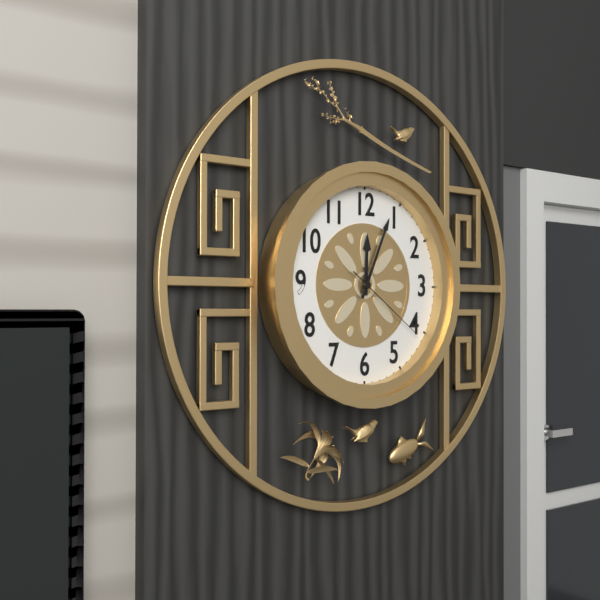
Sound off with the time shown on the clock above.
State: 12:04:21
